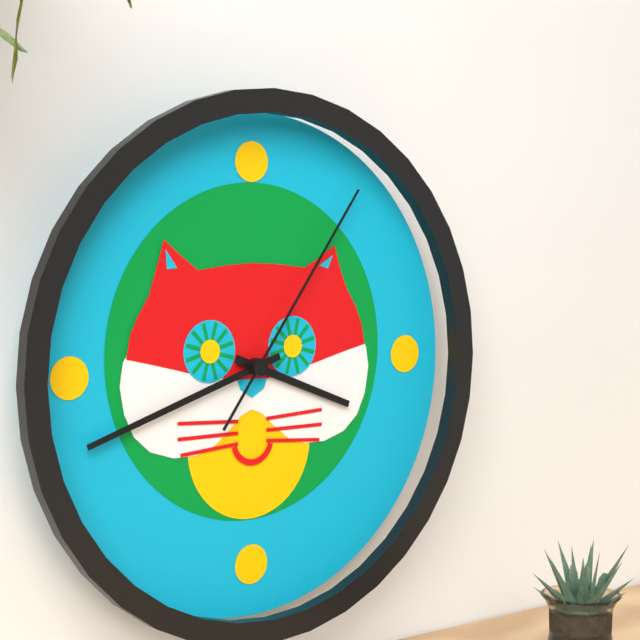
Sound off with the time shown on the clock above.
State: 3:42:06
